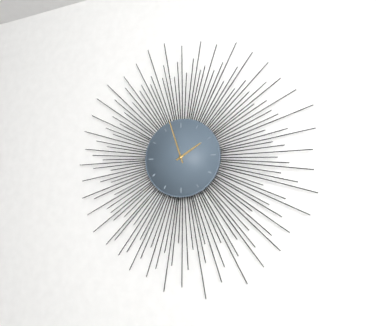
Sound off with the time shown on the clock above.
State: 1:57
